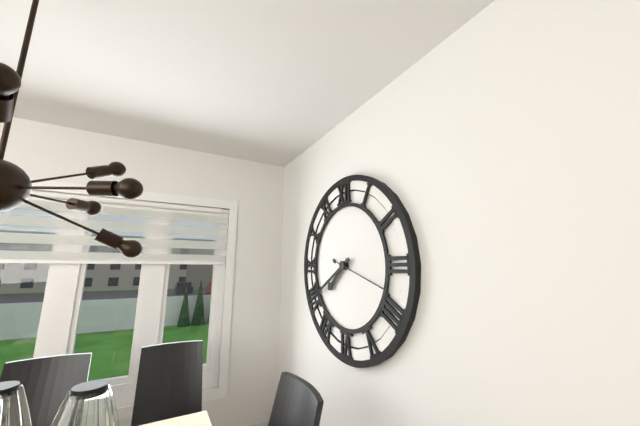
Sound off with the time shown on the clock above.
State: 7:40:18
